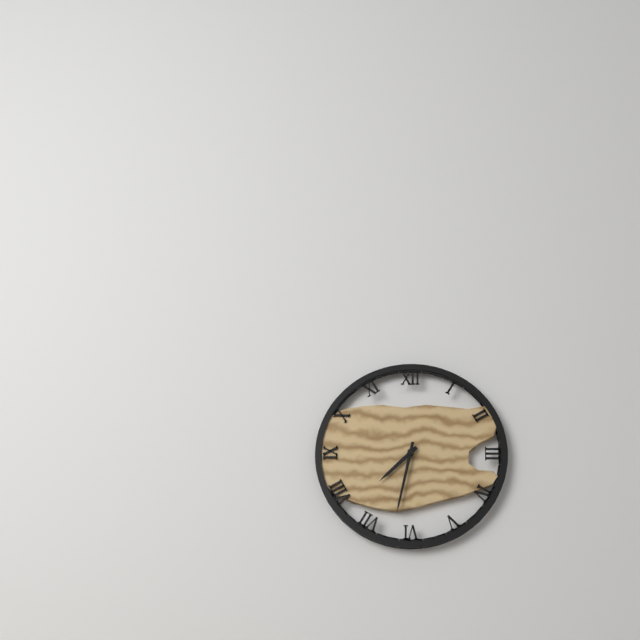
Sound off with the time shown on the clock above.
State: 7:32
